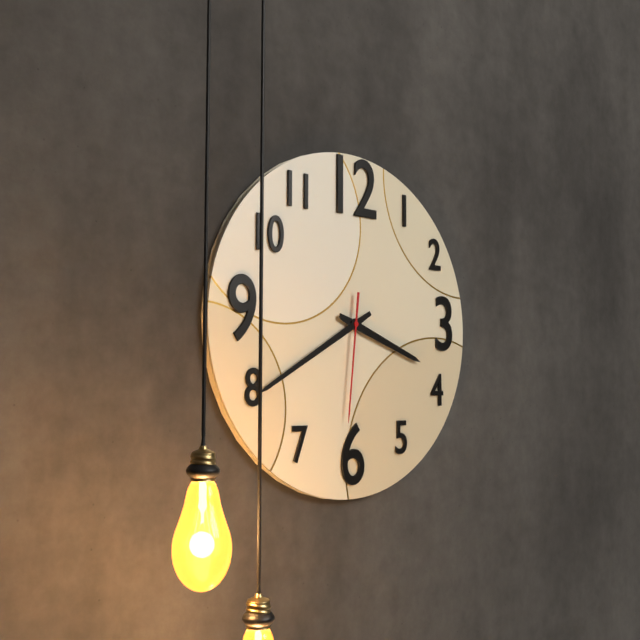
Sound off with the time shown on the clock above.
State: 3:40:31
